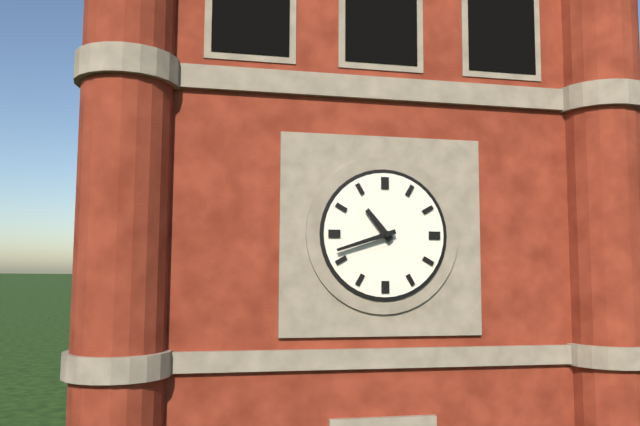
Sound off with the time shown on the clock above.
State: 10:42
